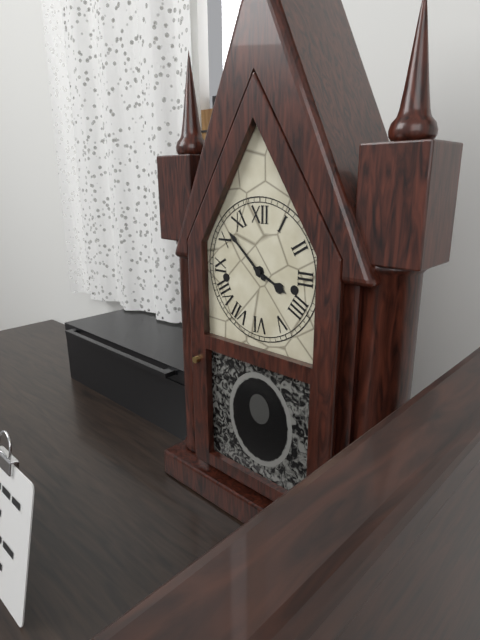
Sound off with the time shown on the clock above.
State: 3:52
